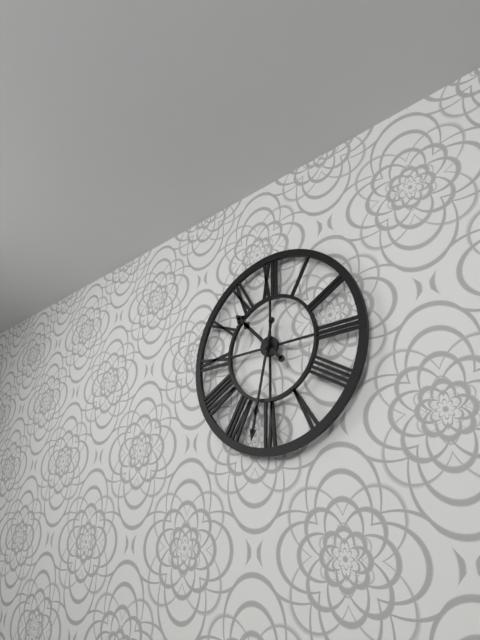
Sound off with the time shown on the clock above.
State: 10:32
